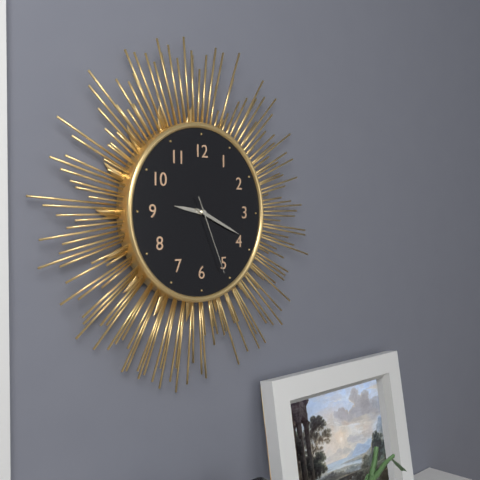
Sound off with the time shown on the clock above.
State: 9:19:26
